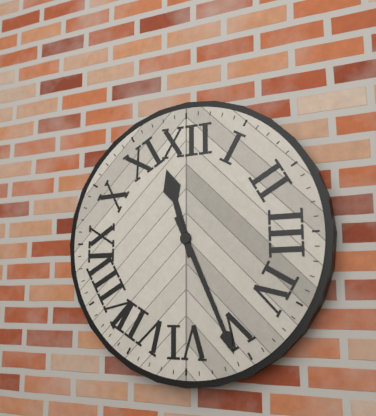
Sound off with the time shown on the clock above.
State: 11:26
